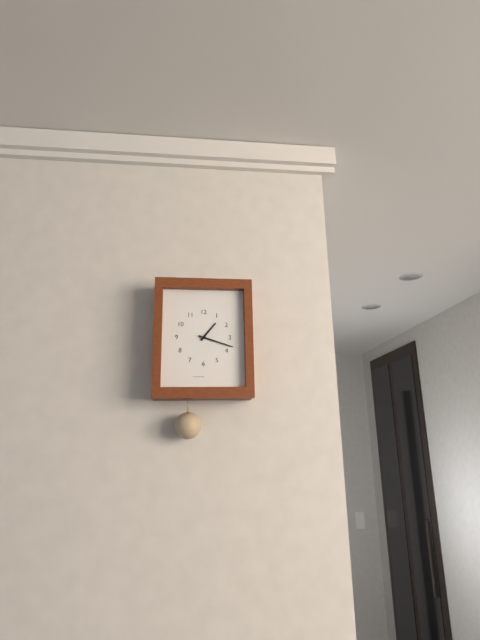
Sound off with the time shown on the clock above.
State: 1:18
